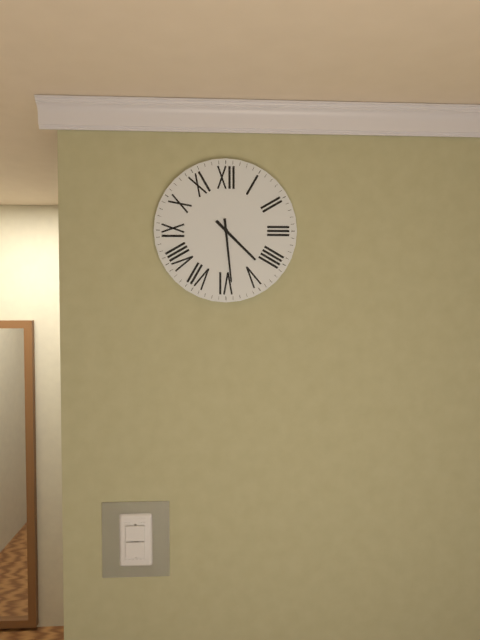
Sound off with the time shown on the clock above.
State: 4:29
